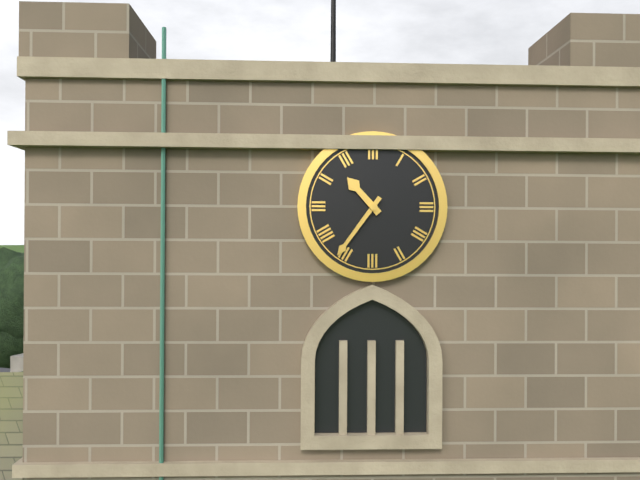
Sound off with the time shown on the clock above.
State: 10:36
